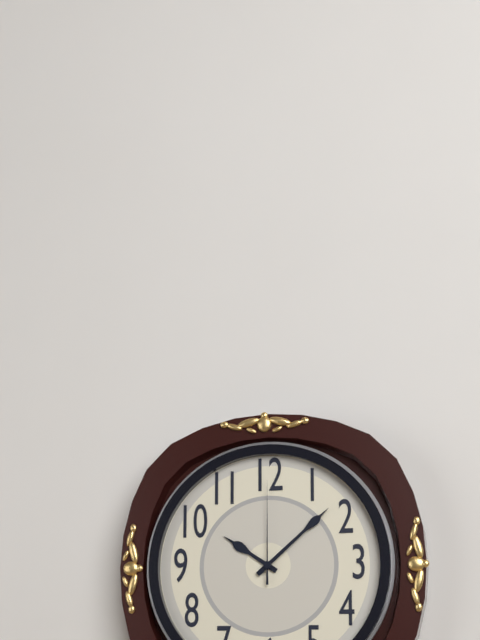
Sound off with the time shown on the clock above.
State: 10:08:00
